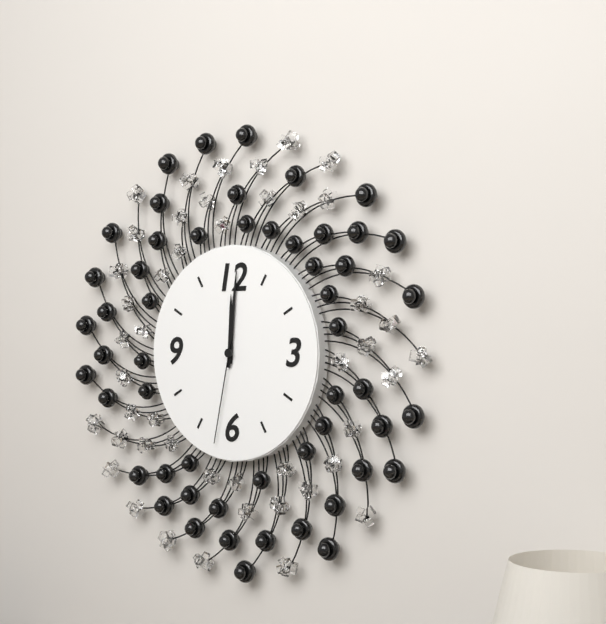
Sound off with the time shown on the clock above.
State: 12:01:32
